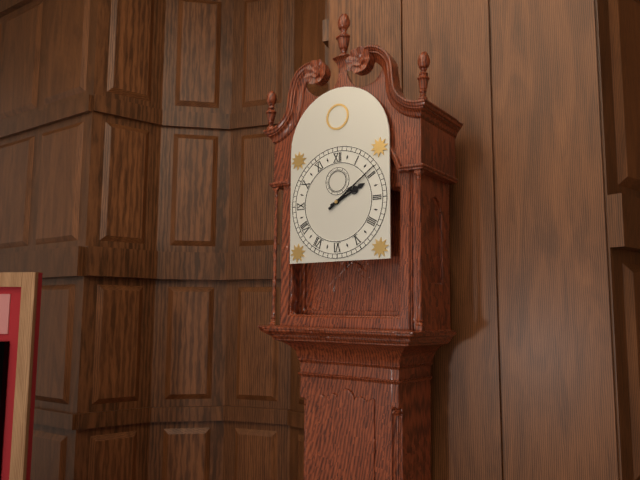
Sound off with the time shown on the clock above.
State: 2:09
